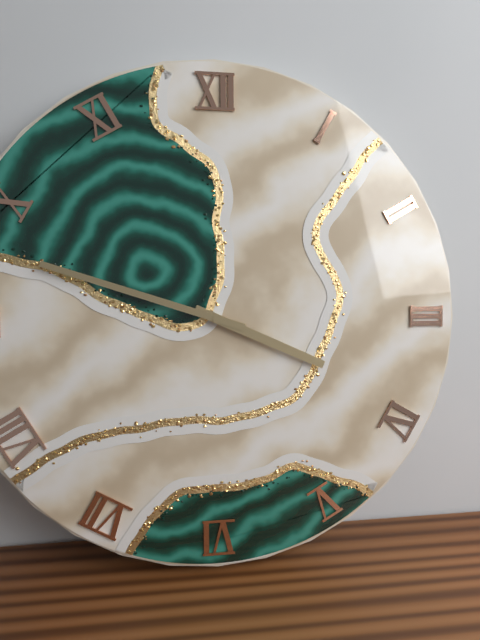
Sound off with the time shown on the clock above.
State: 3:48
